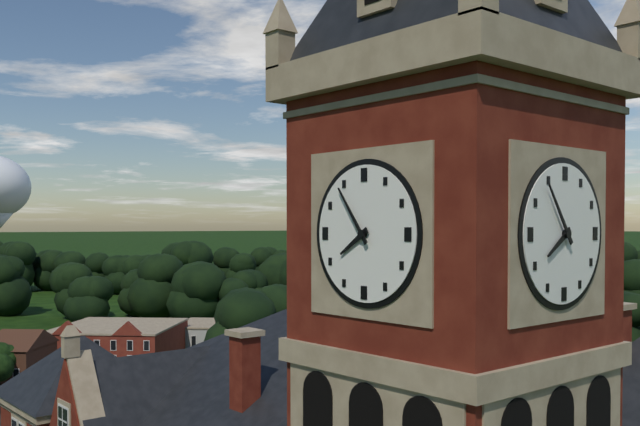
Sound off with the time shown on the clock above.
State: 7:54
